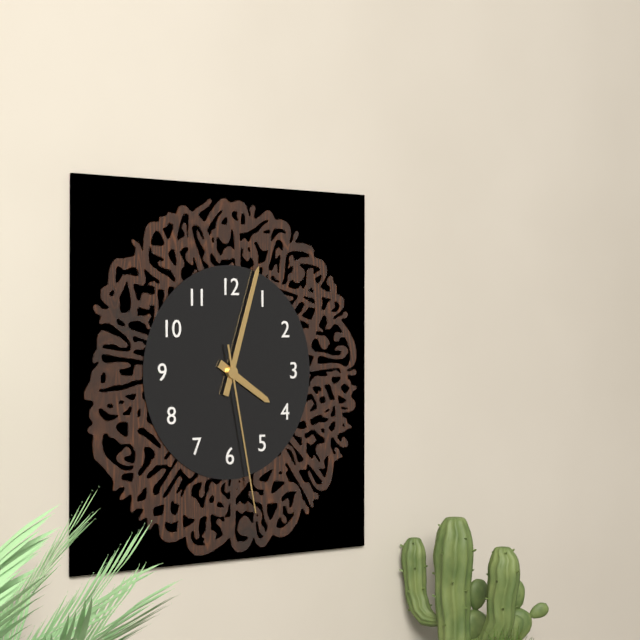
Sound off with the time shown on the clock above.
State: 4:03:28
